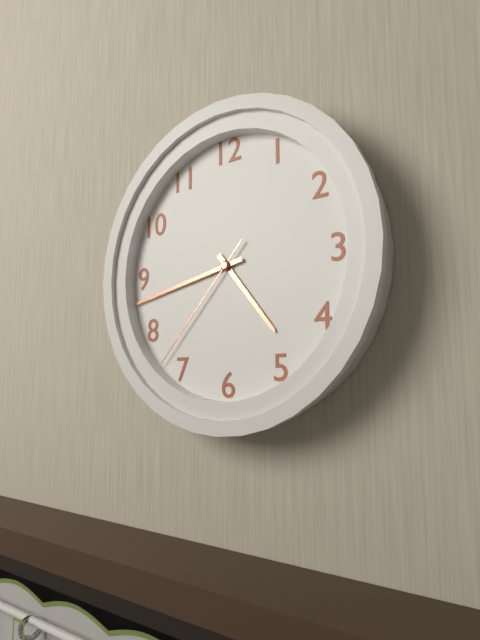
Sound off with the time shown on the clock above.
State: 4:43:37
